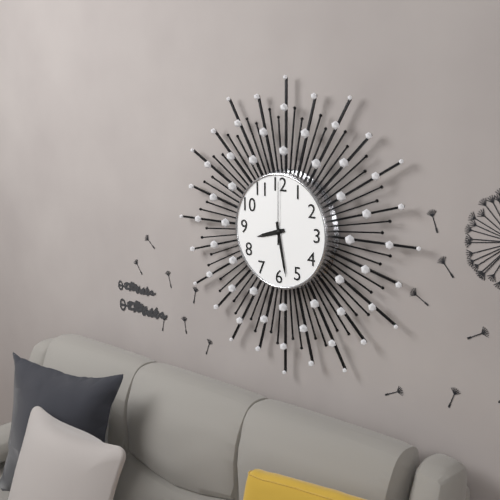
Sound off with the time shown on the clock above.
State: 8:28:00
